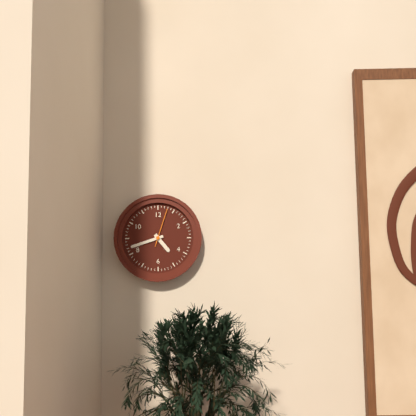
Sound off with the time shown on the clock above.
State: 4:42
